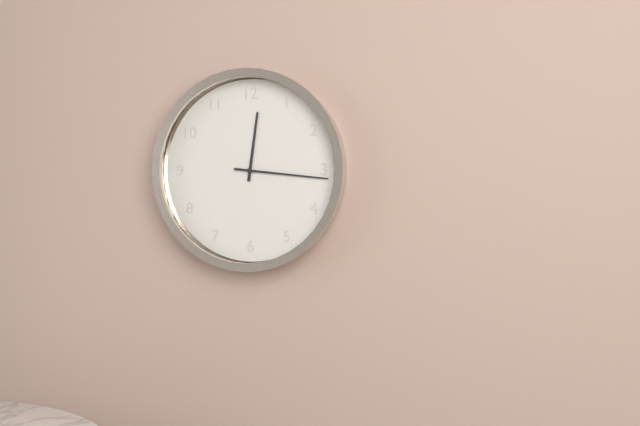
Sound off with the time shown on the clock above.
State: 12:16
